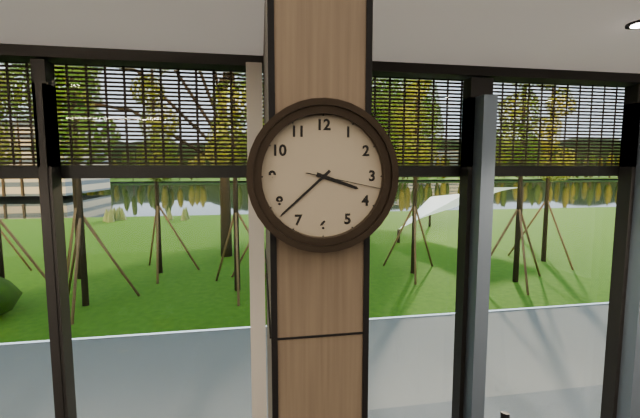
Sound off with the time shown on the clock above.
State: 3:38:17
